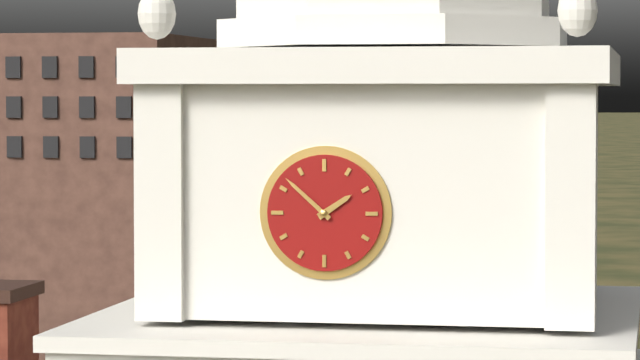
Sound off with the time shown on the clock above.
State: 1:52
